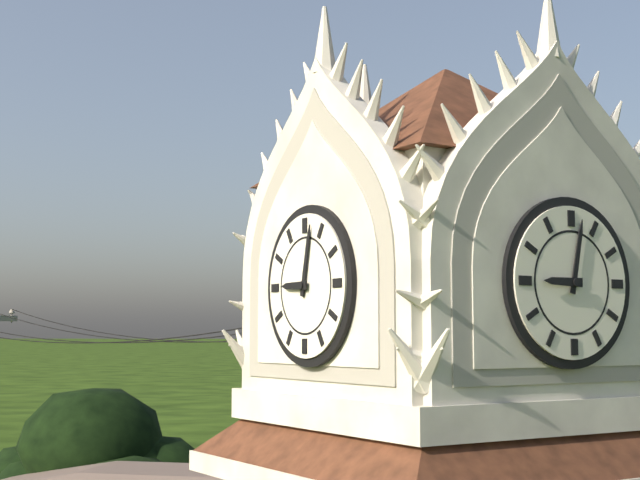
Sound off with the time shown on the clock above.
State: 9:02
